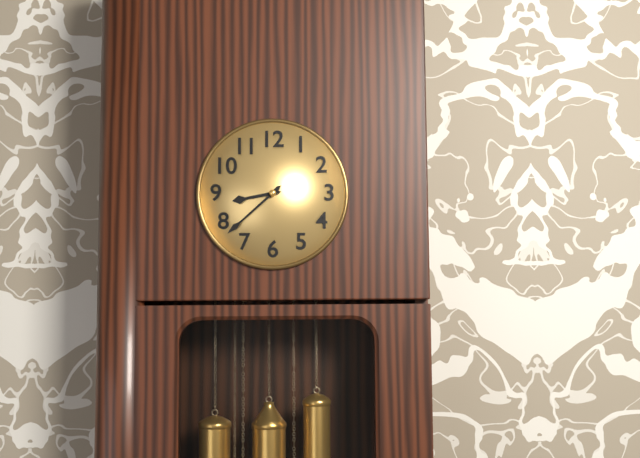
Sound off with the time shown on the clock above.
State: 8:38
